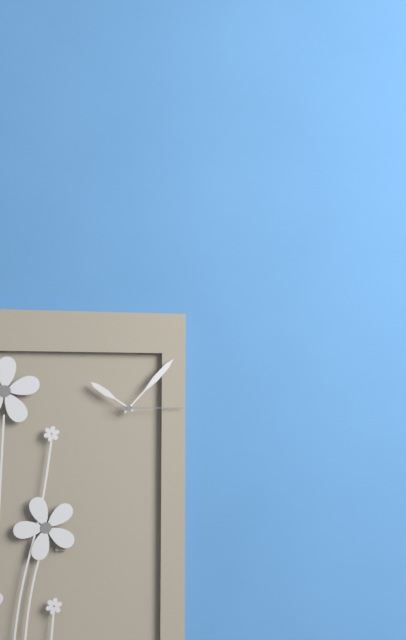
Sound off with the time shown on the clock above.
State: 10:07:15
